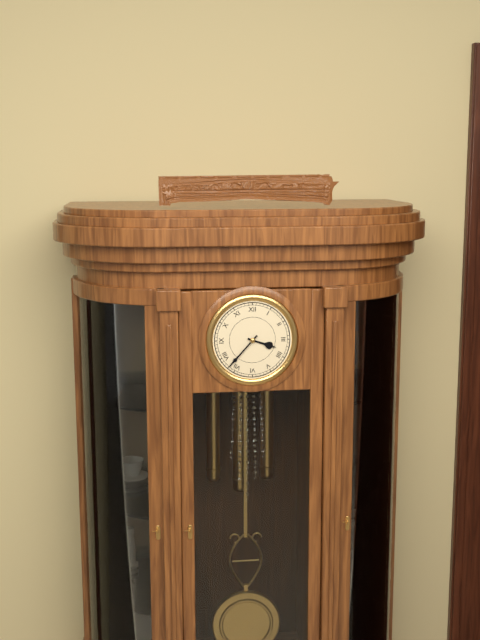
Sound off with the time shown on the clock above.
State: 3:37
